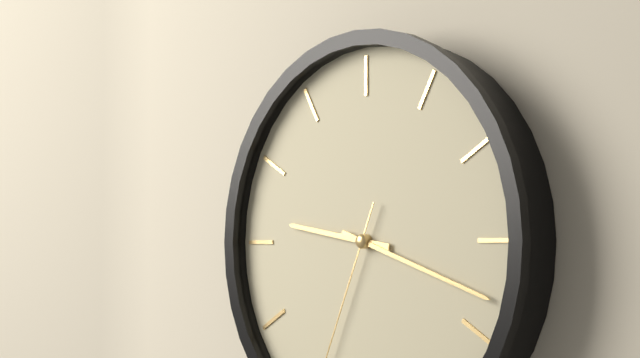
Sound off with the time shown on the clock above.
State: 9:18
